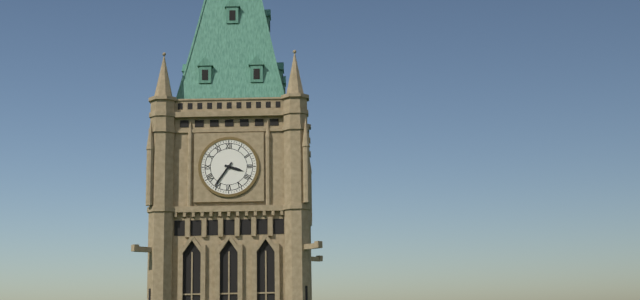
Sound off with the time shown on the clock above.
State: 3:36
